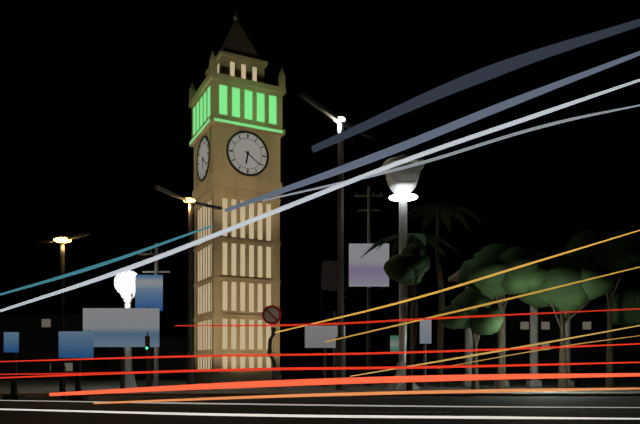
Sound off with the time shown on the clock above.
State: 6:21
